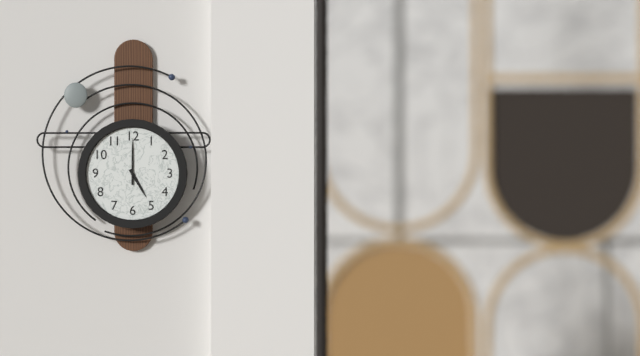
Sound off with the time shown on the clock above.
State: 5:00
